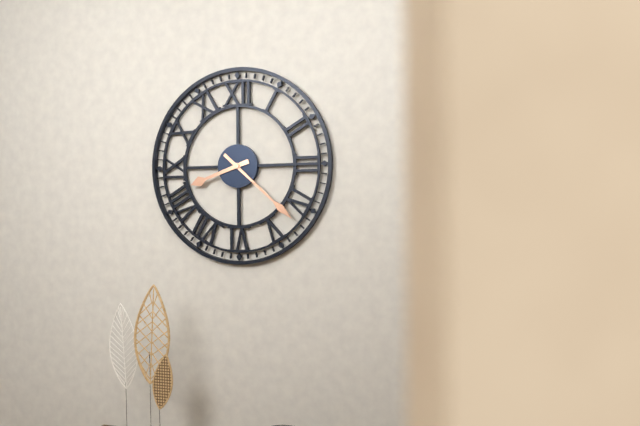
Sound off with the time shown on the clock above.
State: 8:22
